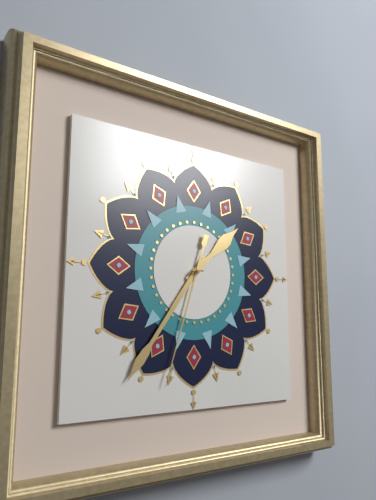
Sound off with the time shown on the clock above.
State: 1:36:33
